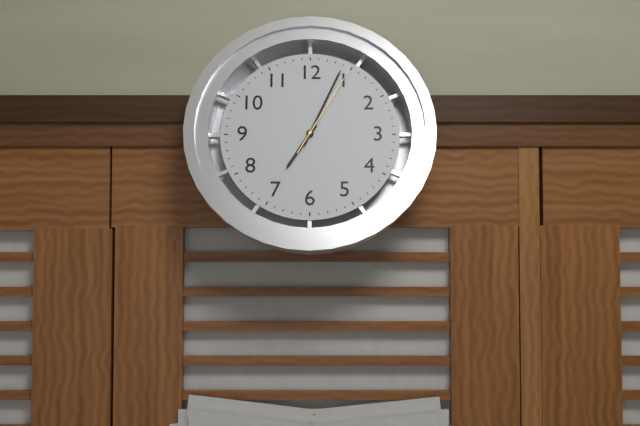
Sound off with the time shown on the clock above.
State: 7:04:05
